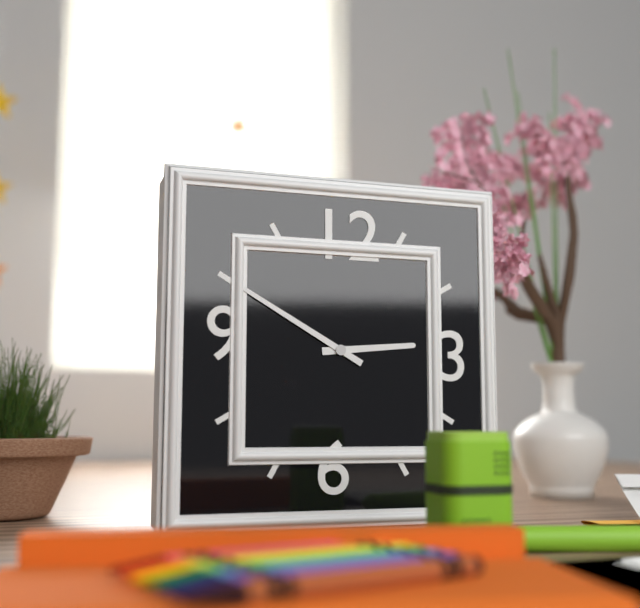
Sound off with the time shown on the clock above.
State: 2:50
